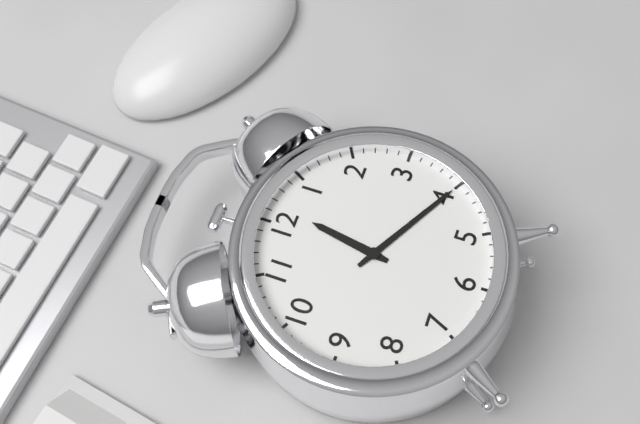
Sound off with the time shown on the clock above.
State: 12:20
